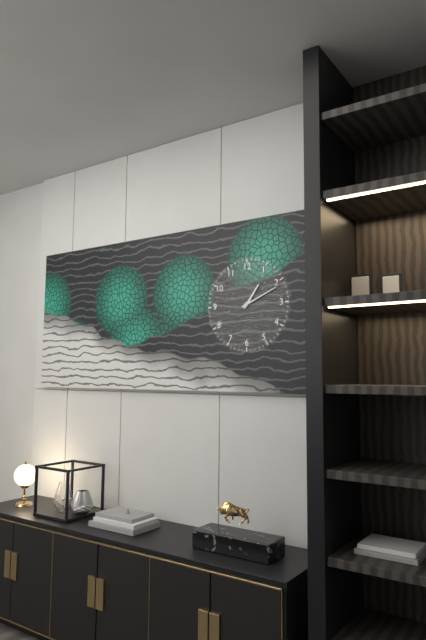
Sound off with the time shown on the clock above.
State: 1:11
